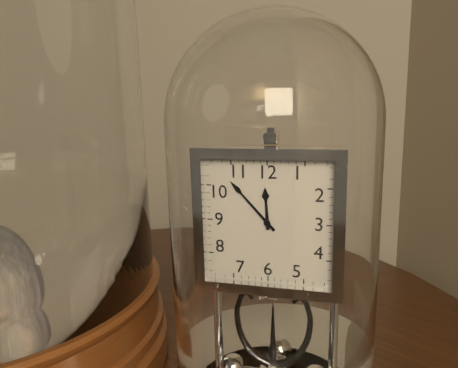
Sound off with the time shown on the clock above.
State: 11:53
